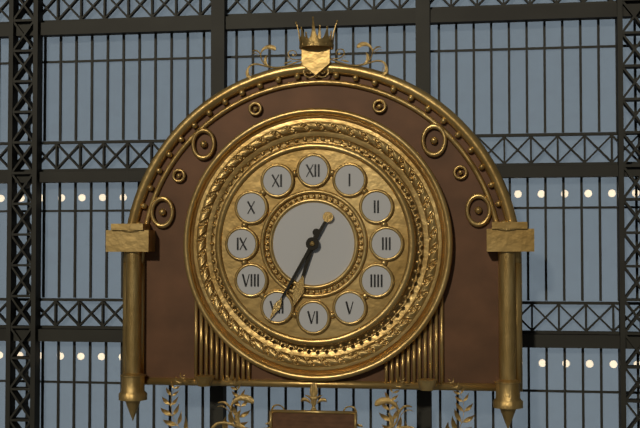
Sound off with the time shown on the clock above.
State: 6:35
